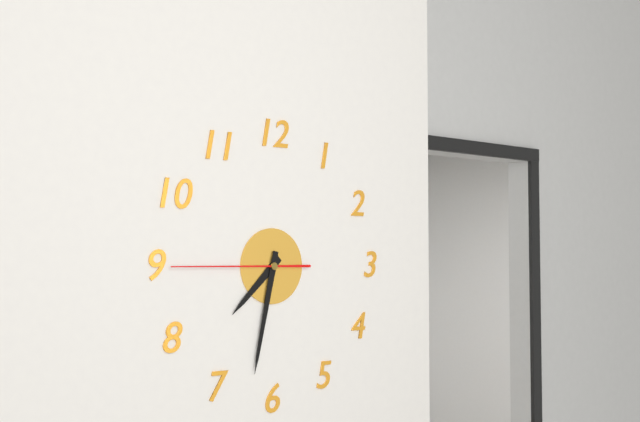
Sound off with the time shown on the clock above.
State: 7:32:45
